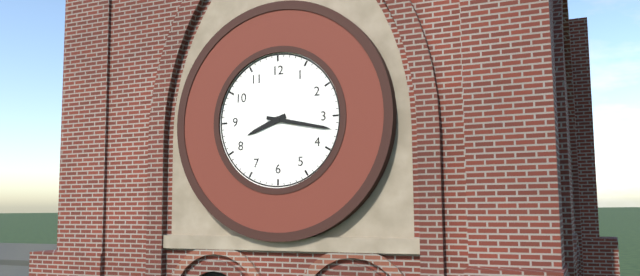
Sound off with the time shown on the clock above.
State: 8:17
